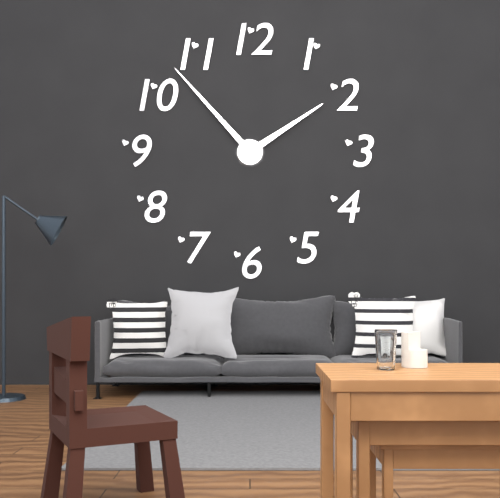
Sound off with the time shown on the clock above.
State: 1:53
